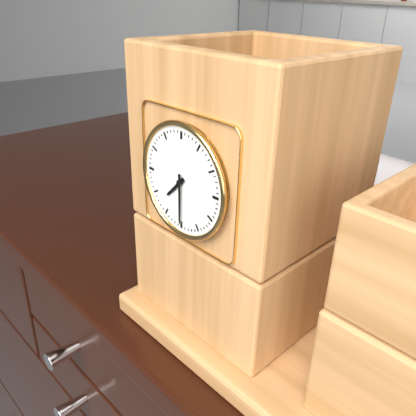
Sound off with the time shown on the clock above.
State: 7:30
